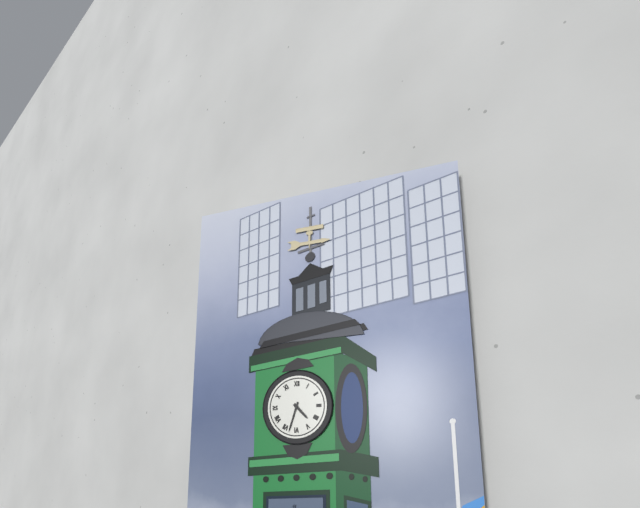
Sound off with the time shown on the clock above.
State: 4:33
